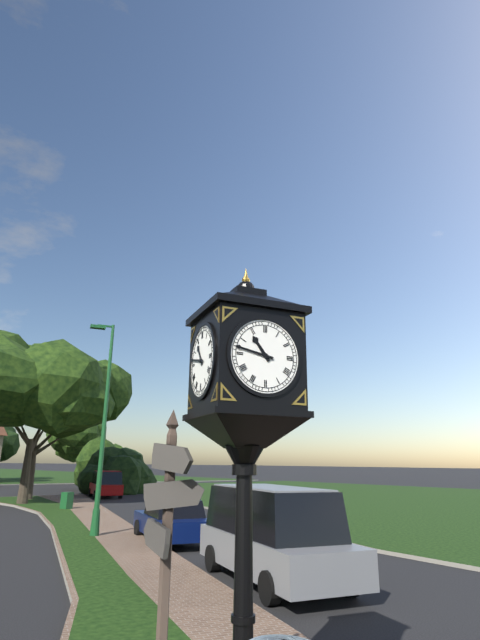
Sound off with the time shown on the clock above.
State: 10:47
